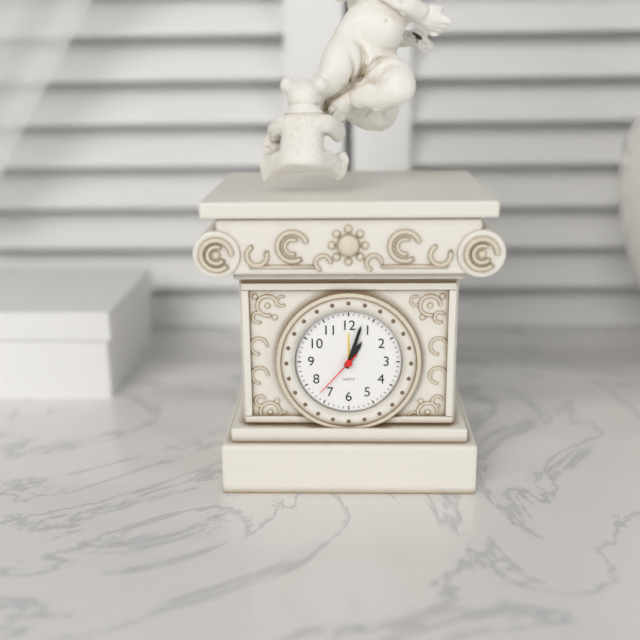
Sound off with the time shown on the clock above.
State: 1:03:37
